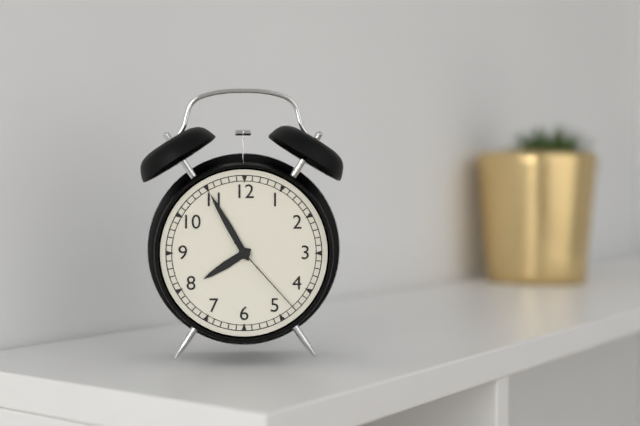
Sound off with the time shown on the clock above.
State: 7:55:23
